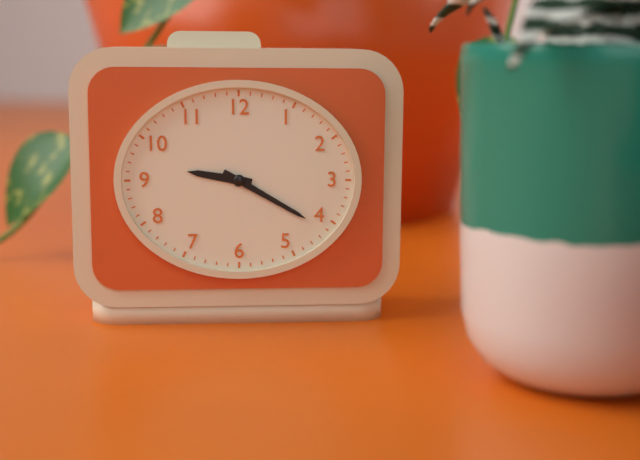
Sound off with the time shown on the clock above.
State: 9:20
